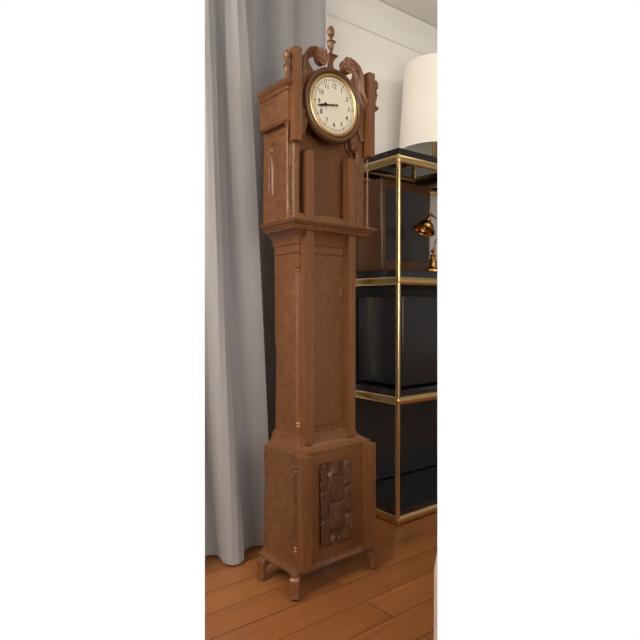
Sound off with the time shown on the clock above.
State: 8:43
